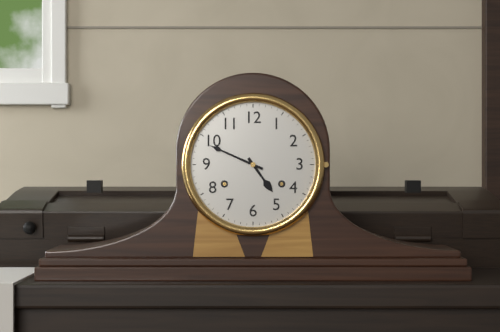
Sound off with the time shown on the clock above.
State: 4:49
